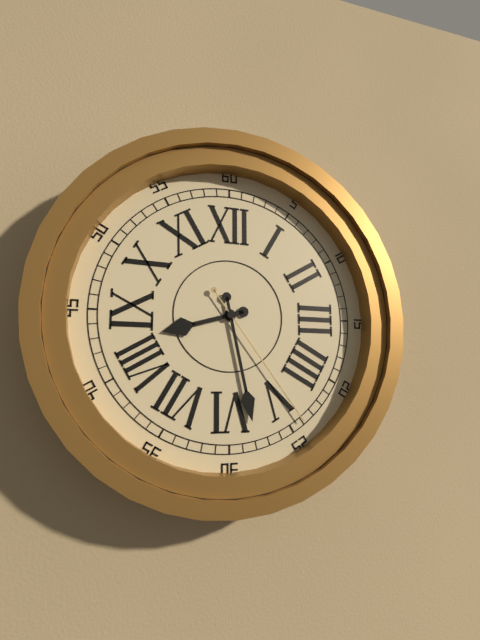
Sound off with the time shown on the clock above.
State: 8:28:24
